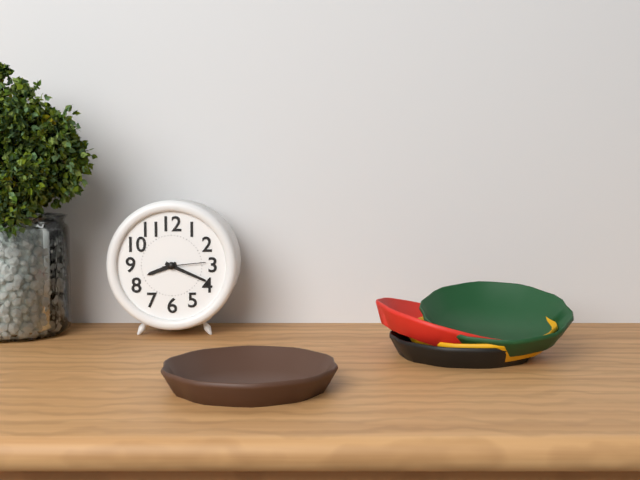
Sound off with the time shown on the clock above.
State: 8:19
